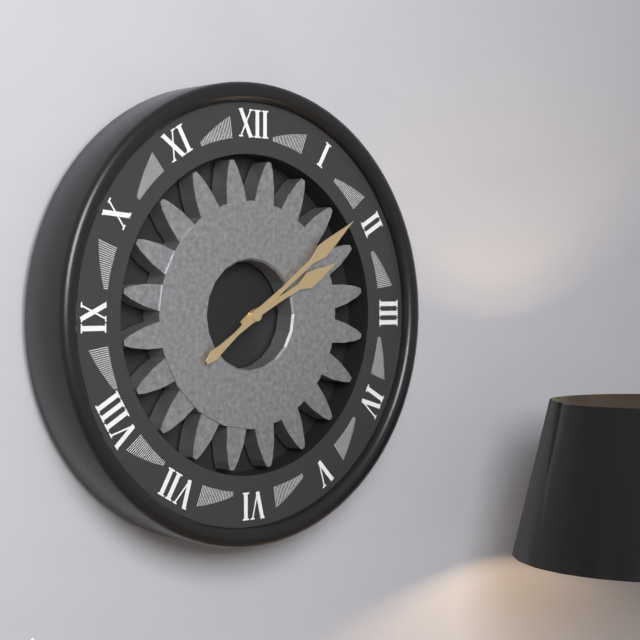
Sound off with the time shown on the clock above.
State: 2:09
